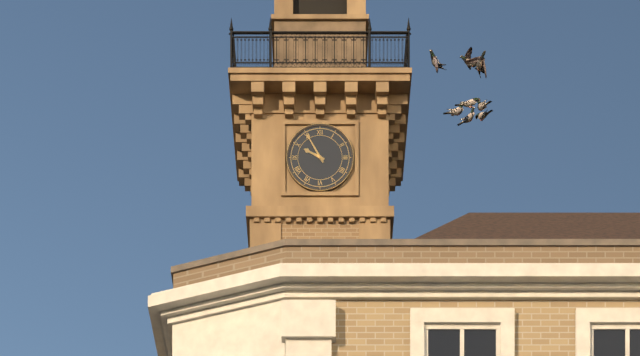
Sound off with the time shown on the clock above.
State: 9:55
